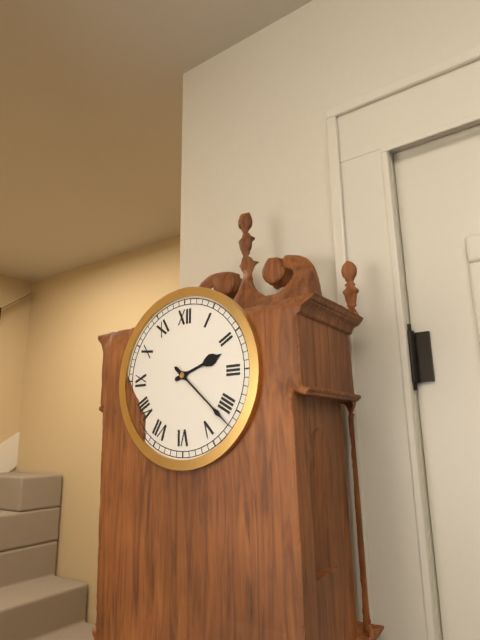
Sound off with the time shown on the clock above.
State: 2:22
